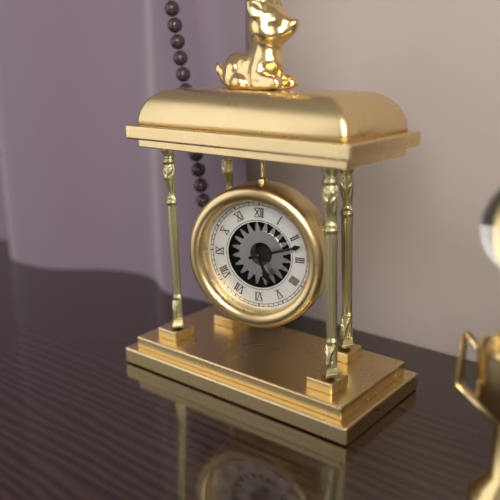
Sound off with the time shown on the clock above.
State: 5:12
